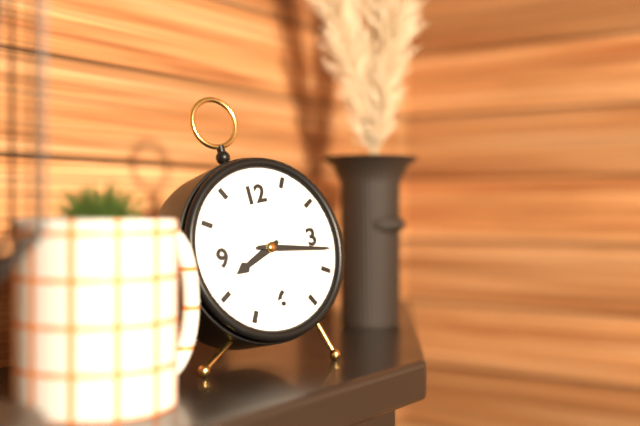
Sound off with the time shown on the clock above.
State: 8:17
